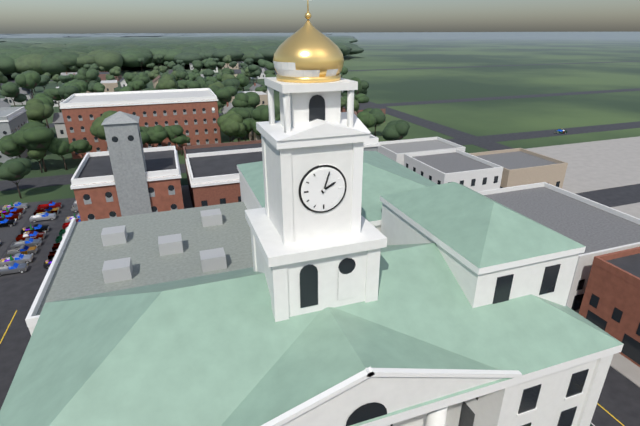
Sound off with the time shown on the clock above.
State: 2:03
